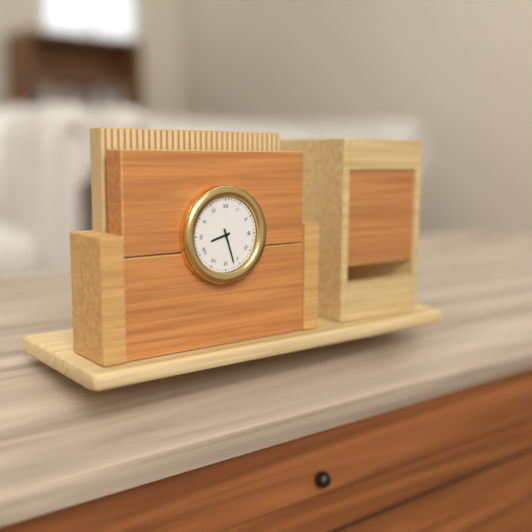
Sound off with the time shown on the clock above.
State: 8:27
